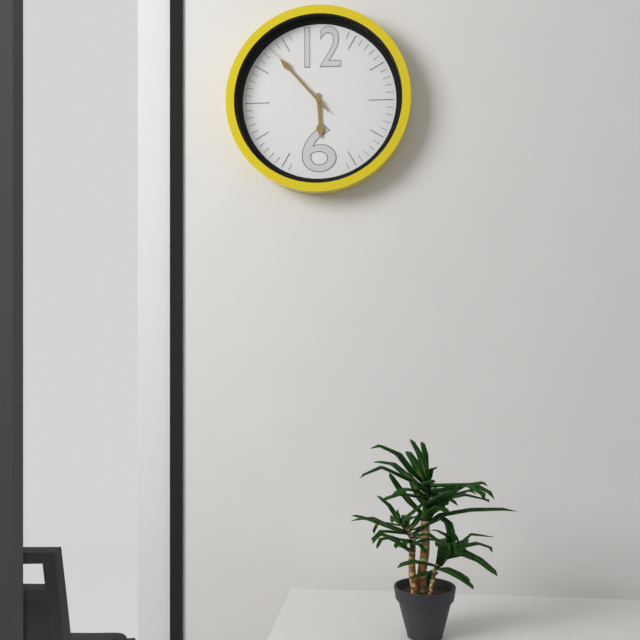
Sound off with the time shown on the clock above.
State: 5:53:53
